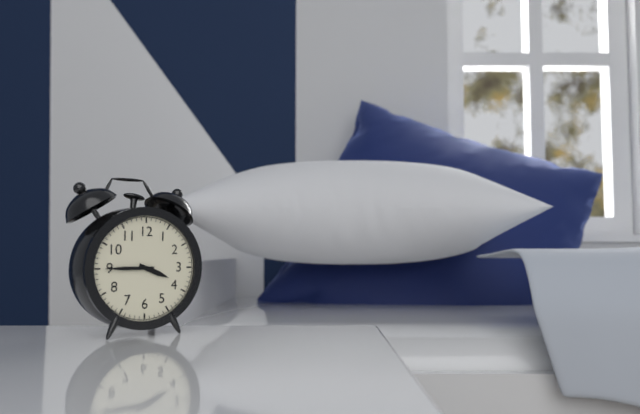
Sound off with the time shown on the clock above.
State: 3:45
